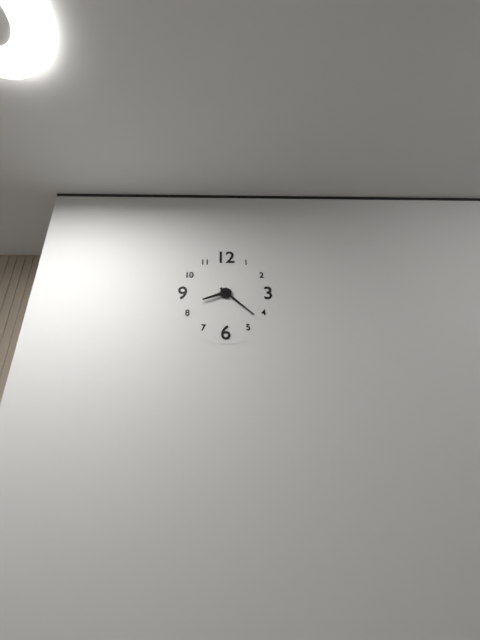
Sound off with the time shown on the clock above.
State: 8:22
